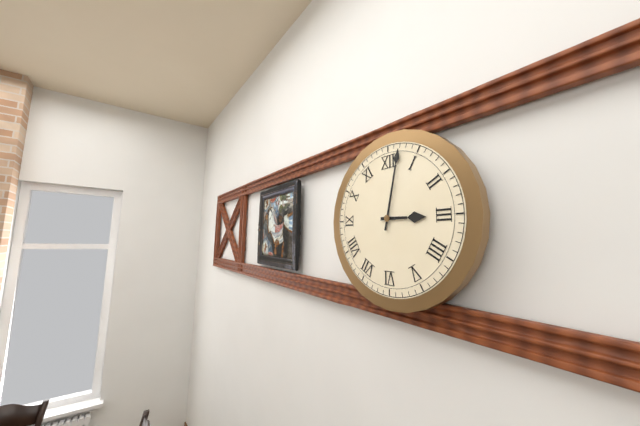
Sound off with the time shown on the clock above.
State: 3:02
